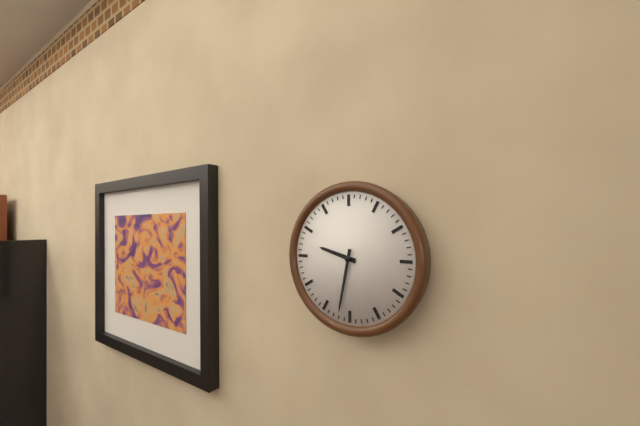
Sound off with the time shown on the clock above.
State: 9:32
